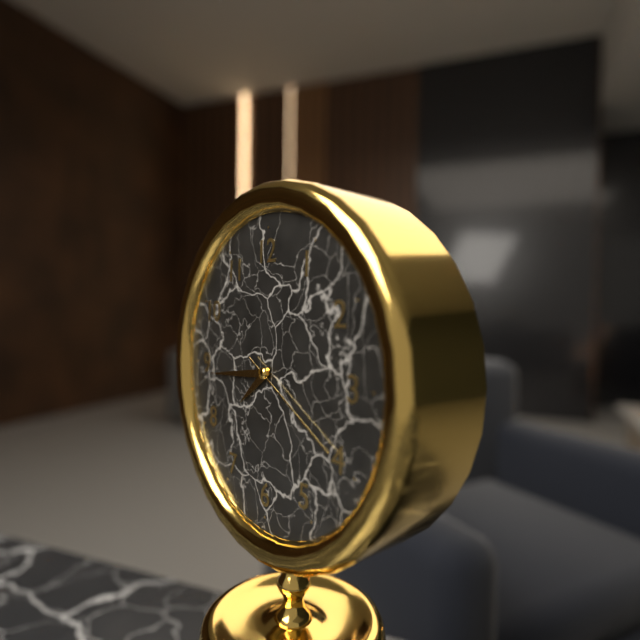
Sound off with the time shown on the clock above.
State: 7:44:20
